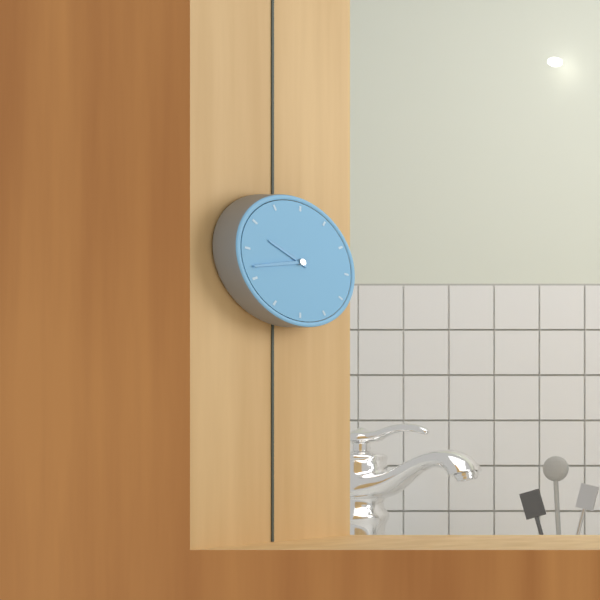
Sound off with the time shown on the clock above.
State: 9:42
